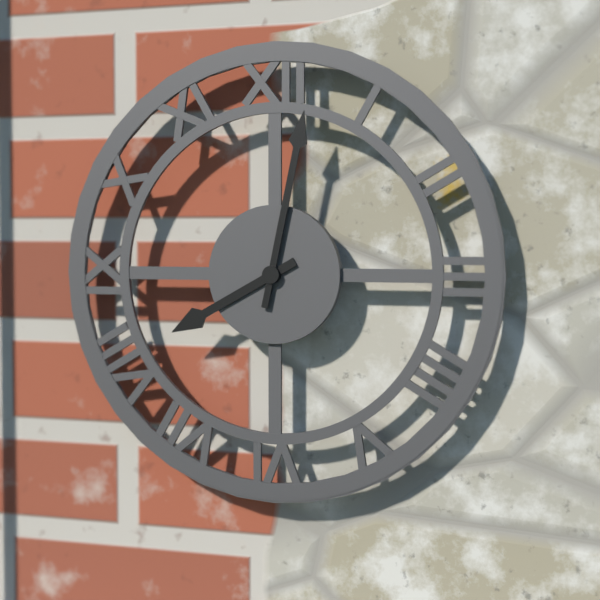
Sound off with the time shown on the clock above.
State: 8:02
